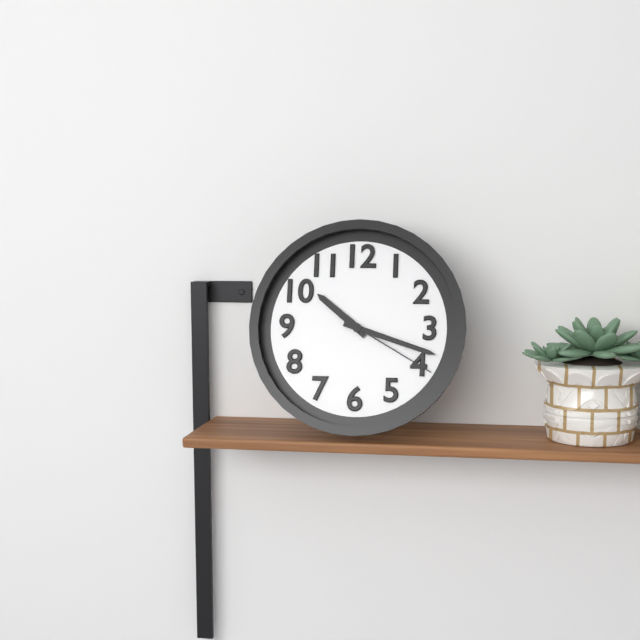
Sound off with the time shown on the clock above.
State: 10:18:20
